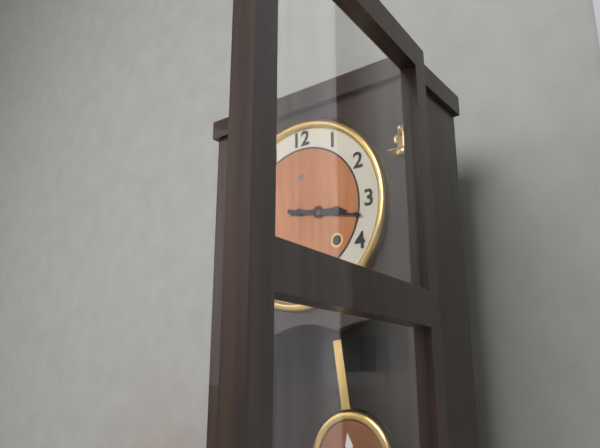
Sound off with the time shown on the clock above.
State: 3:17
